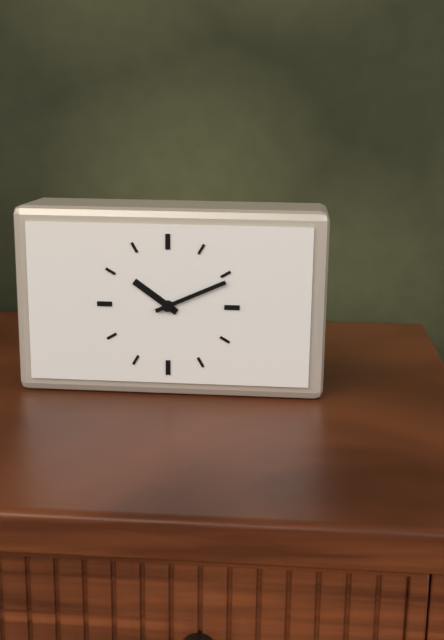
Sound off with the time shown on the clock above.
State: 10:11
